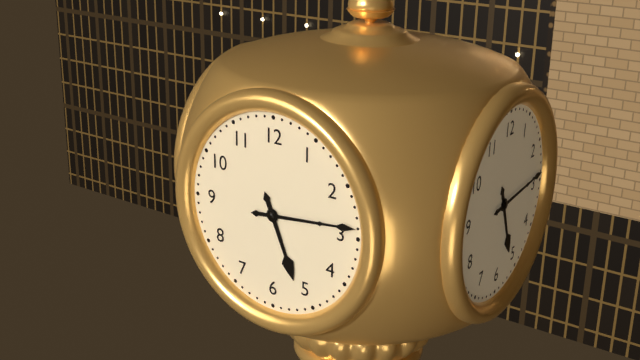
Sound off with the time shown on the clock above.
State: 5:14
